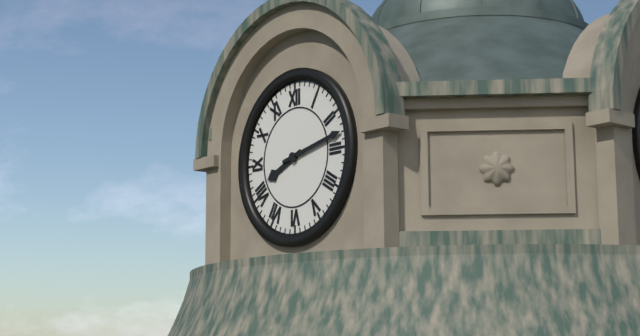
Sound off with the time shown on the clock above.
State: 8:13
